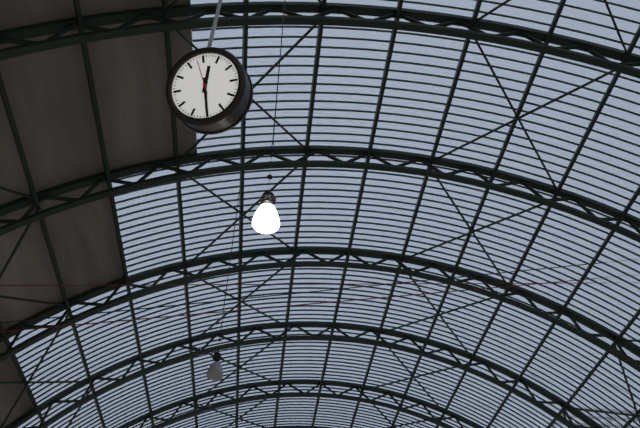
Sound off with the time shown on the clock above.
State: 12:30
